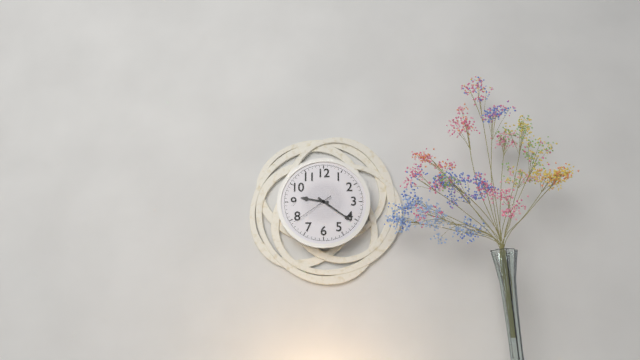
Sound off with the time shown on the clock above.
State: 9:21
